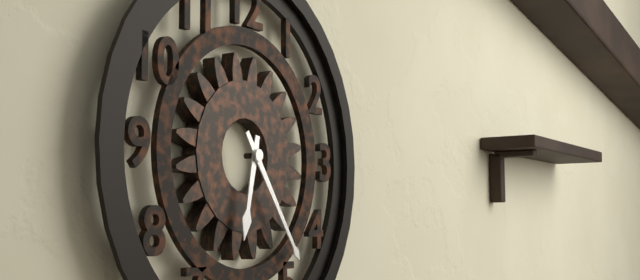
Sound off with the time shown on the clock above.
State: 6:24
